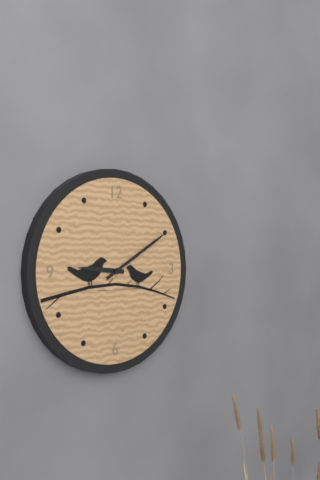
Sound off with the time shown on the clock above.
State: 9:10
